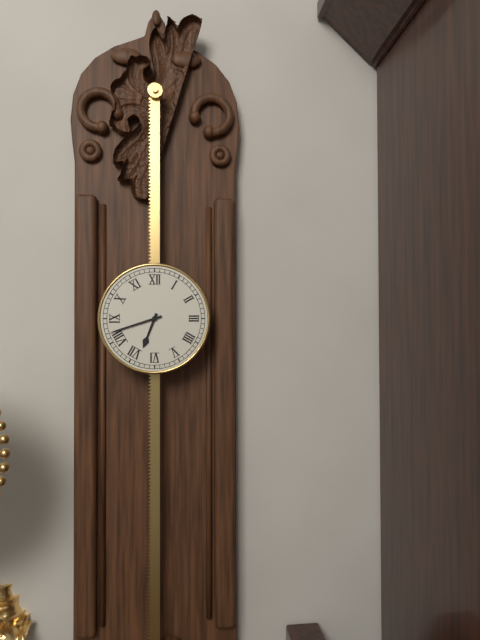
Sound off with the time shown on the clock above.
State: 6:42
